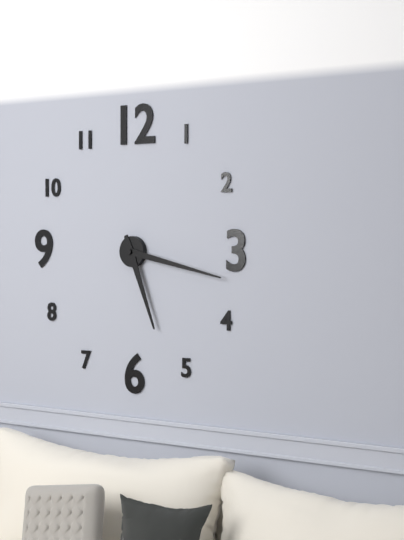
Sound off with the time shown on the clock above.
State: 5:17
